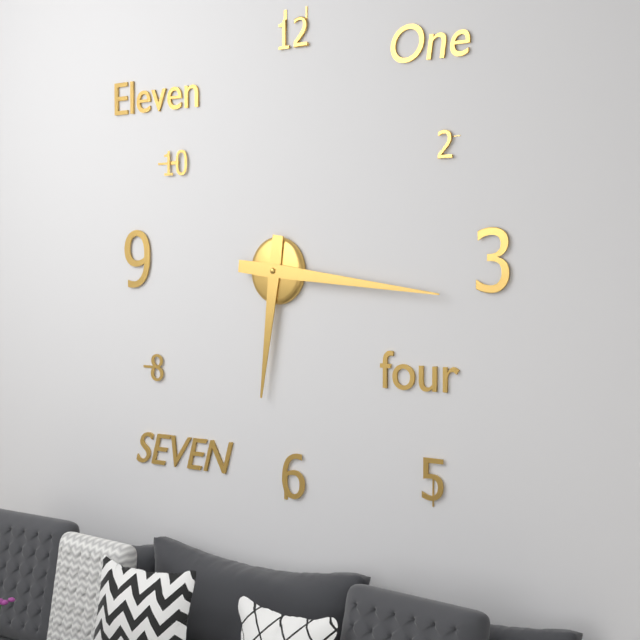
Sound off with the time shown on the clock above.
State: 6:16
